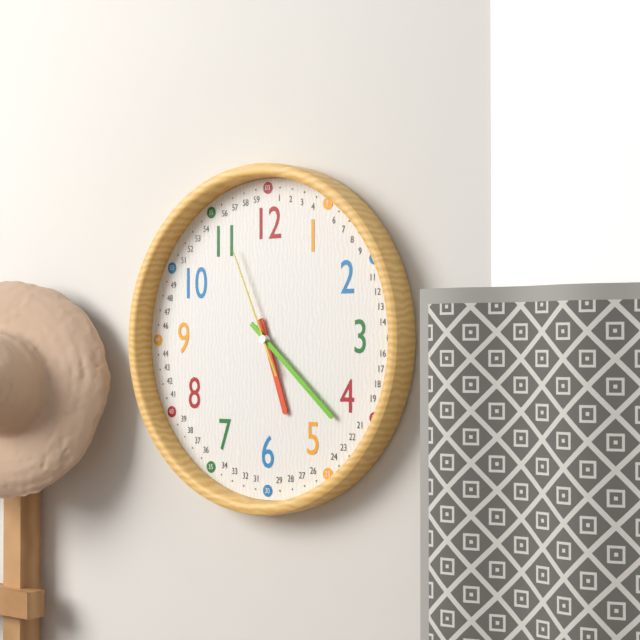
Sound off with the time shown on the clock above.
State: 5:22:56
